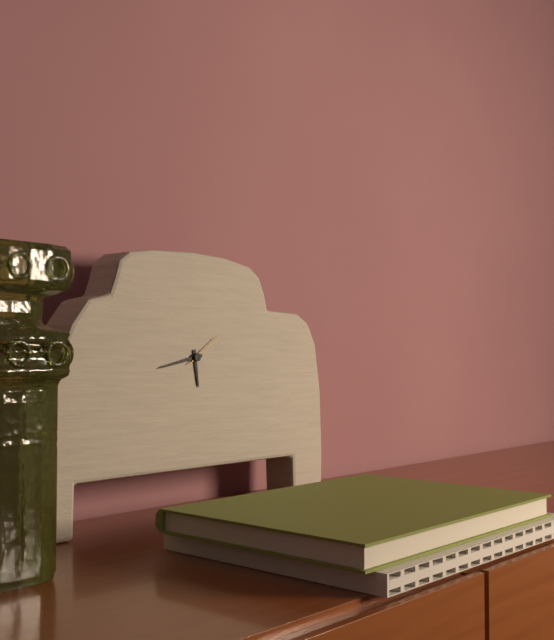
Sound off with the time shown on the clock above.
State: 5:43
